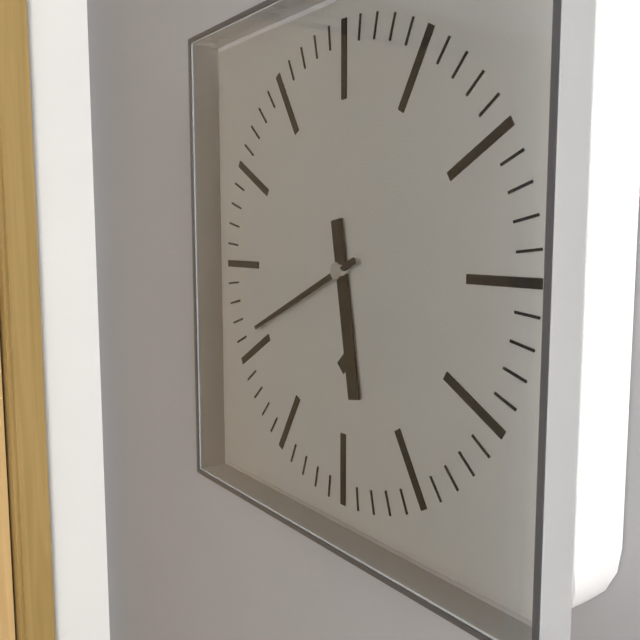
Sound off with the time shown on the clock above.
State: 5:41
